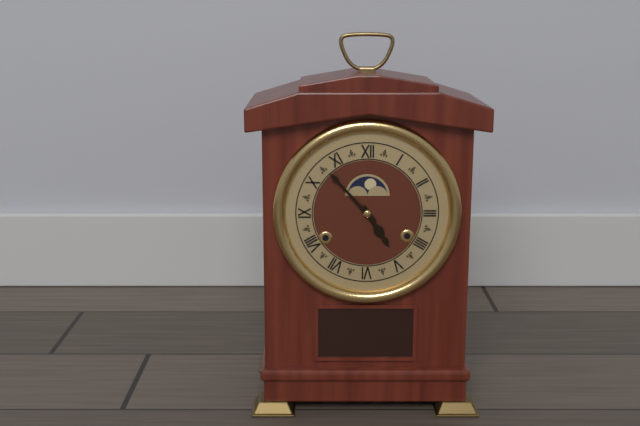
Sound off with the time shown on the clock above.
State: 4:53
